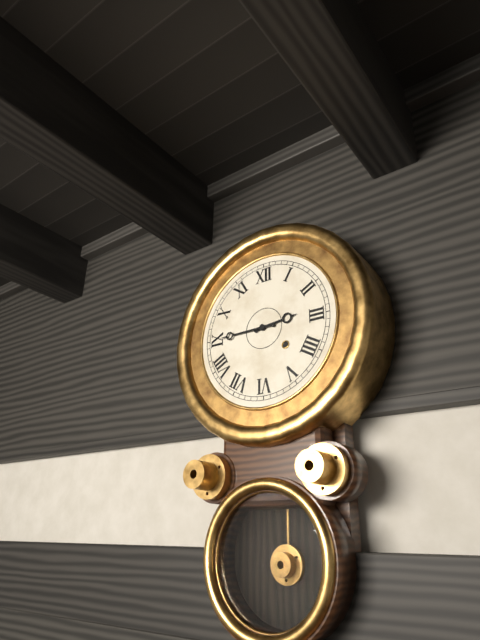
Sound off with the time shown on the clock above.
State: 2:45
